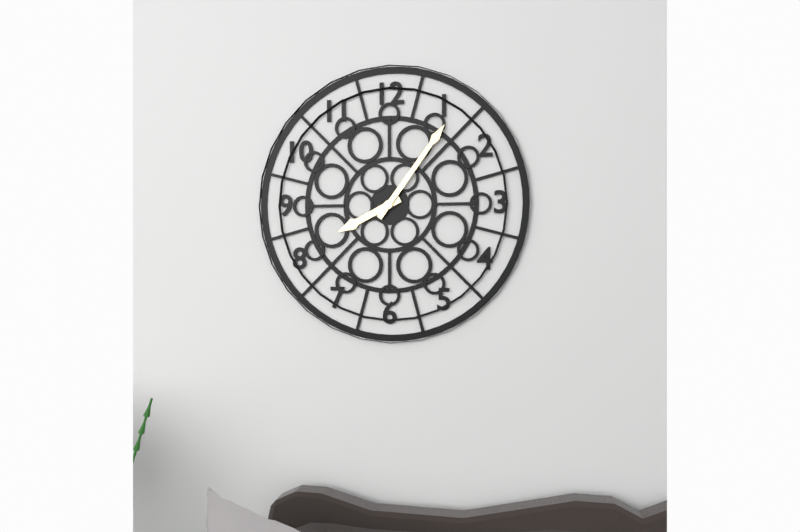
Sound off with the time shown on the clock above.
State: 8:06
